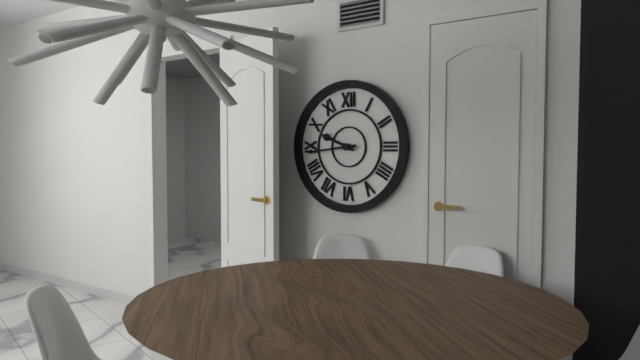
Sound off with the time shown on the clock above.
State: 9:44
